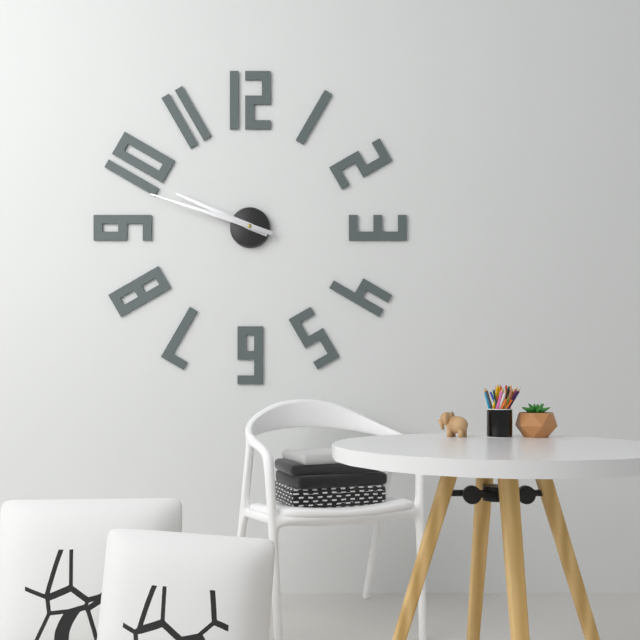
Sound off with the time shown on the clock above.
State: 9:48
